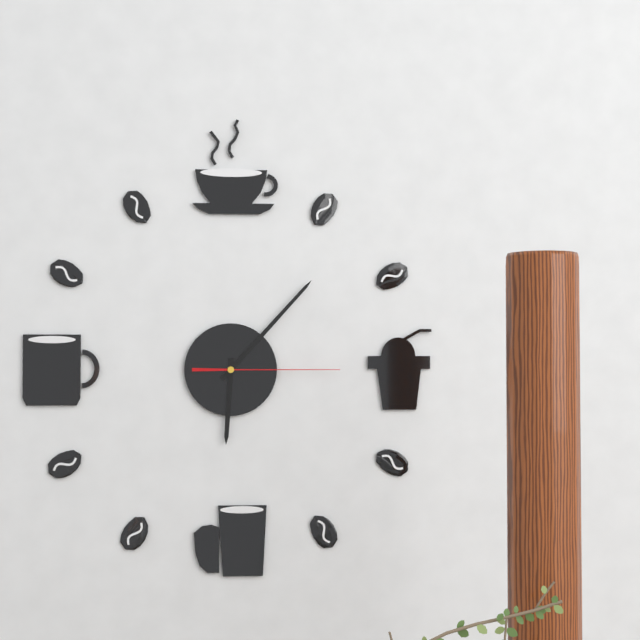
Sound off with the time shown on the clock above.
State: 6:07:15
